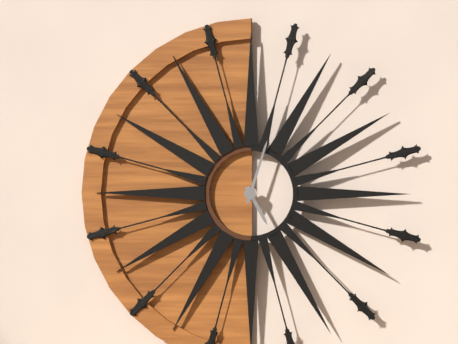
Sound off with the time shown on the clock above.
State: 5:03
